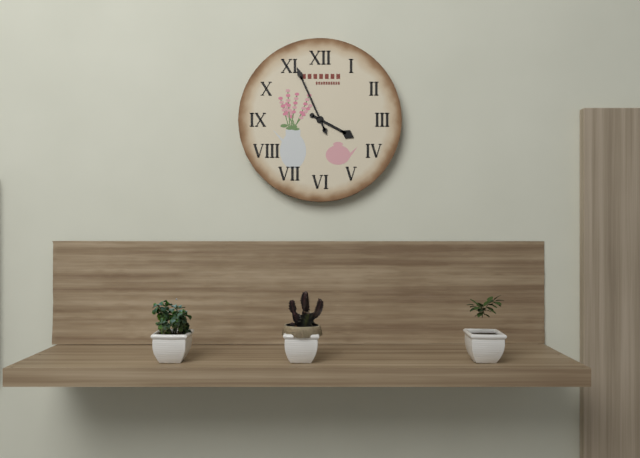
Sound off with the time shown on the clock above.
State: 3:56
